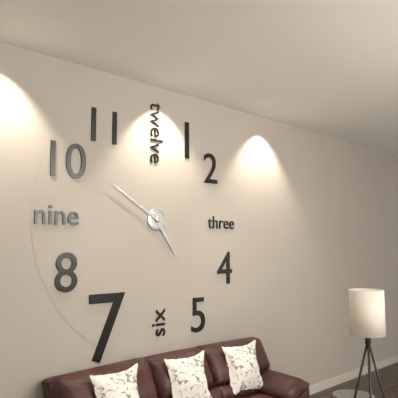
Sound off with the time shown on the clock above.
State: 4:50
